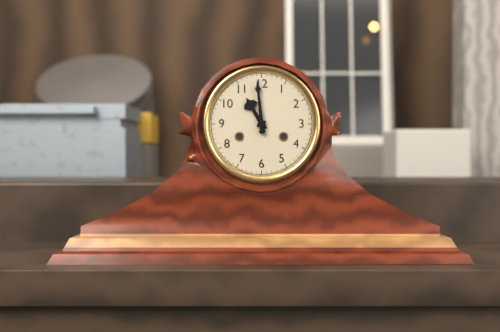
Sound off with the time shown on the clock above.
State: 10:59
